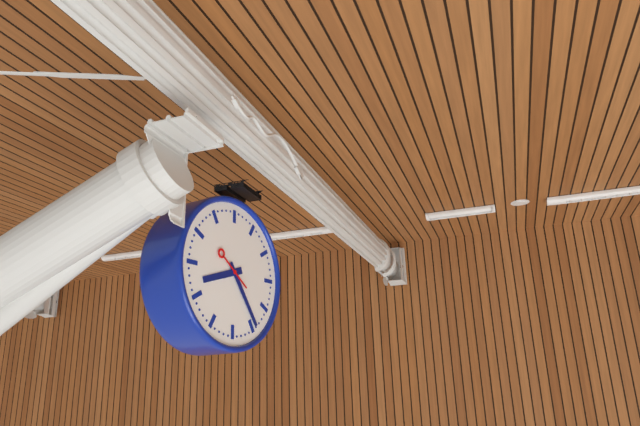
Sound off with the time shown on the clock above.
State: 8:24
